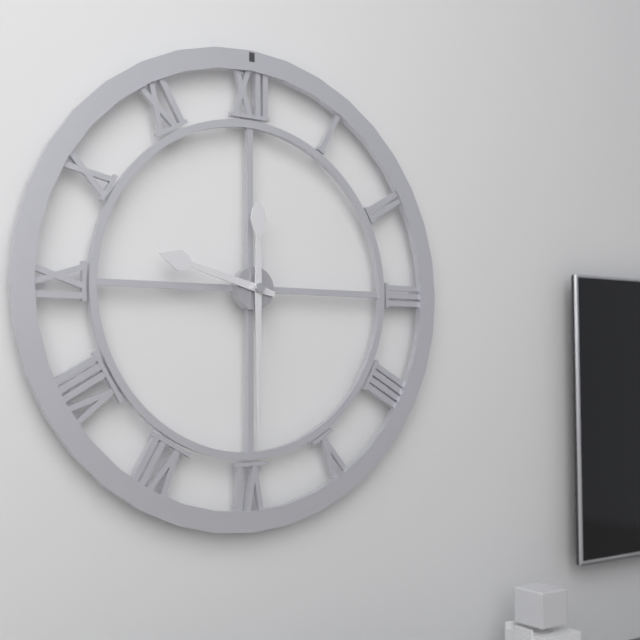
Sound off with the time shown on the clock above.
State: 9:30
